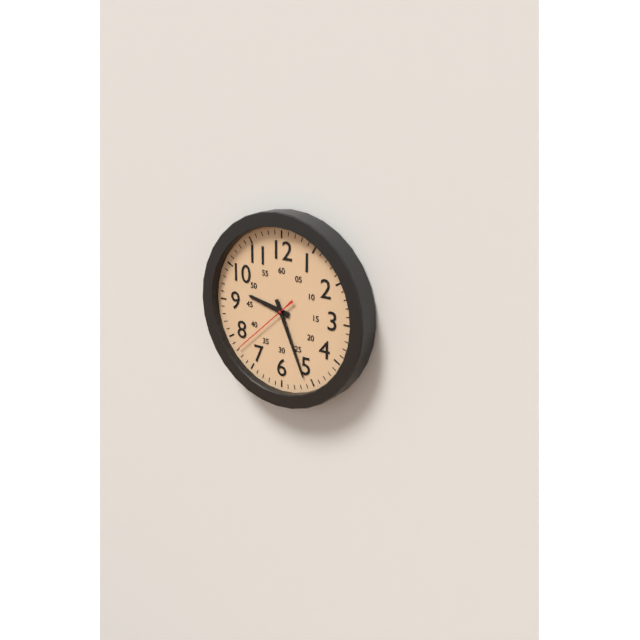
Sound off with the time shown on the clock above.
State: 9:26:38
